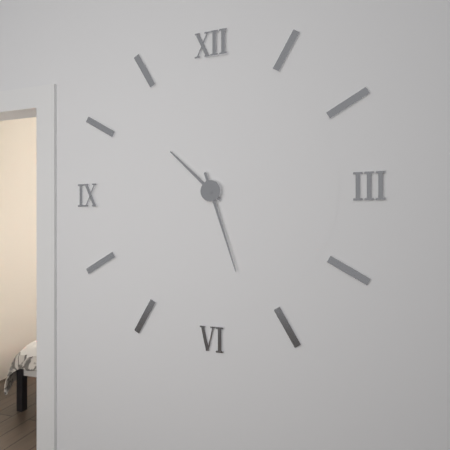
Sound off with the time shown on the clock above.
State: 10:27
